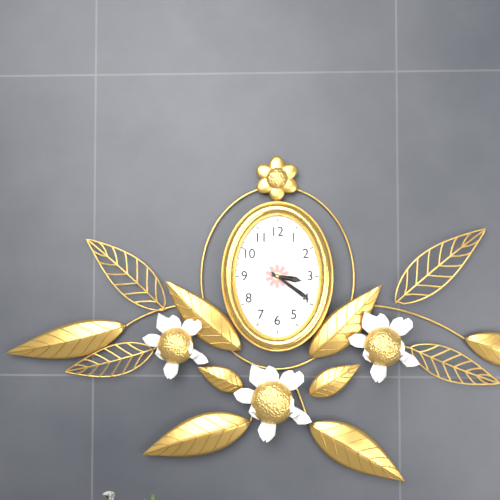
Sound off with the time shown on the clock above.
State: 3:21
